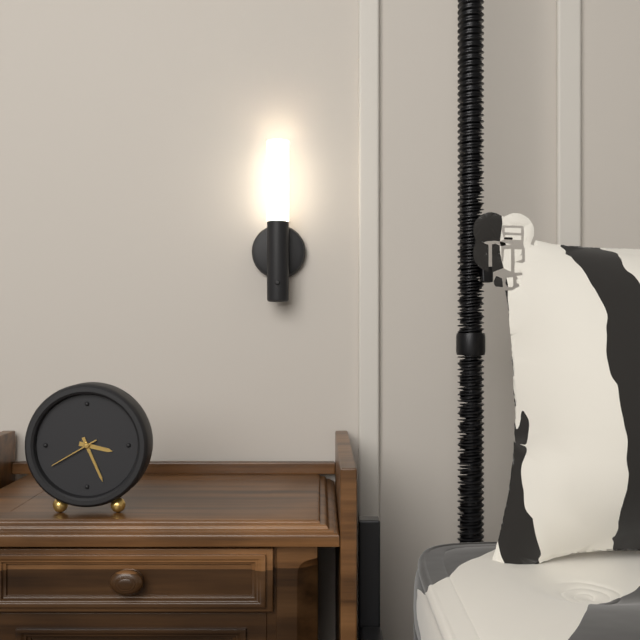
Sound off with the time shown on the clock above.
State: 3:26:40
